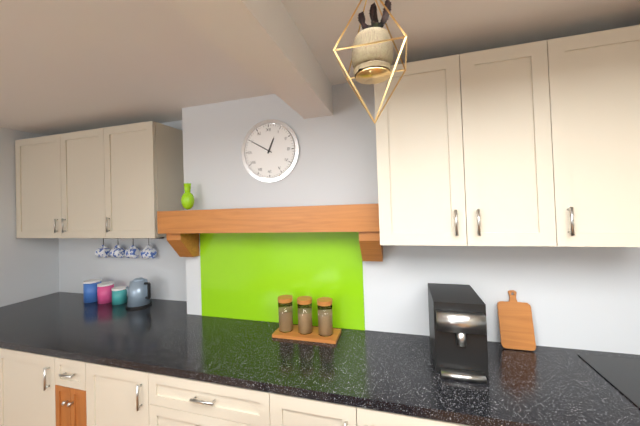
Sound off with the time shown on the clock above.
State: 12:50
